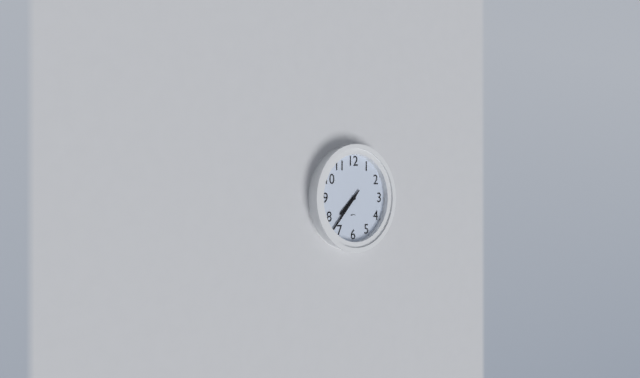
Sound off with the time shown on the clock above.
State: 7:37
